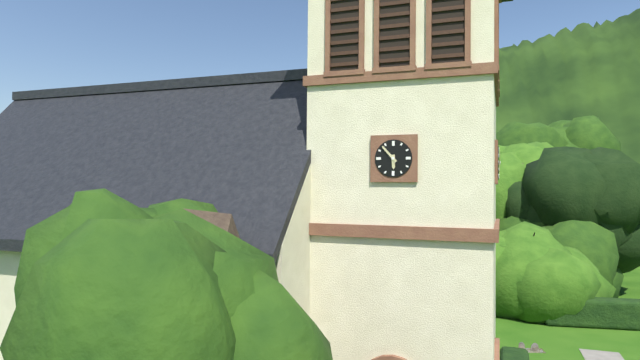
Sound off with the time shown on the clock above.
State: 5:53
